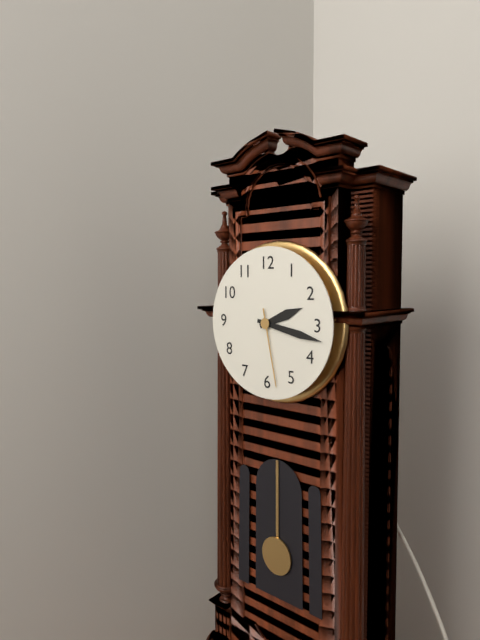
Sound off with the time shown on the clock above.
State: 2:17:28
